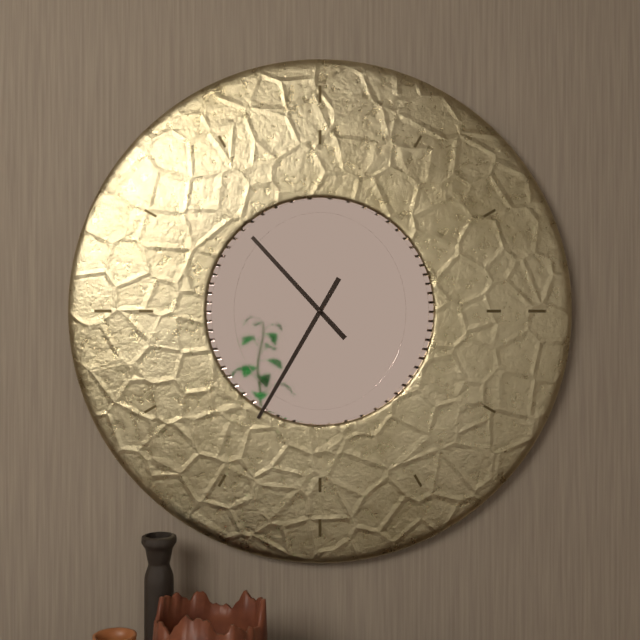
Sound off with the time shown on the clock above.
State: 10:35
